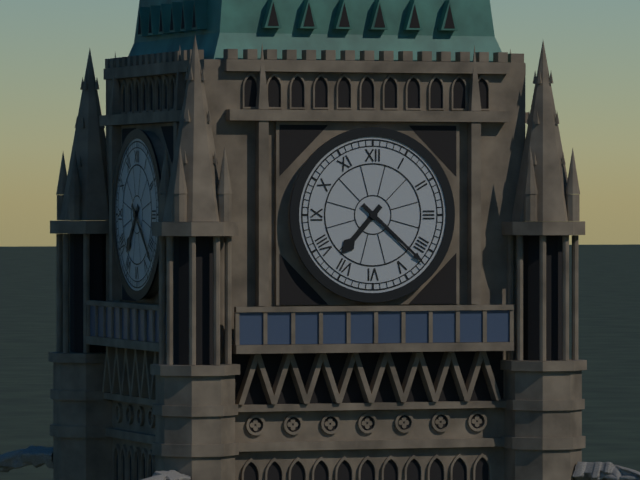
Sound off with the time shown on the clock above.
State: 7:22
